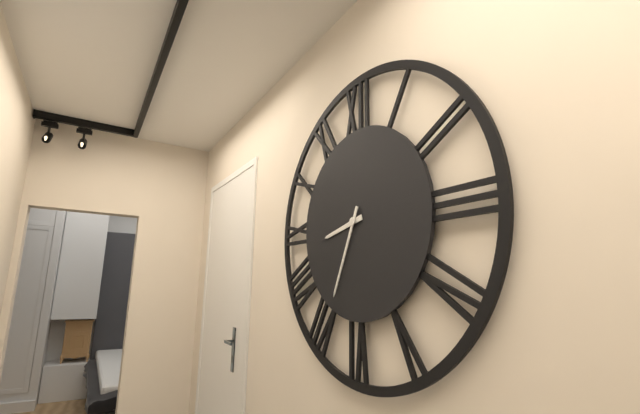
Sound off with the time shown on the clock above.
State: 8:34
